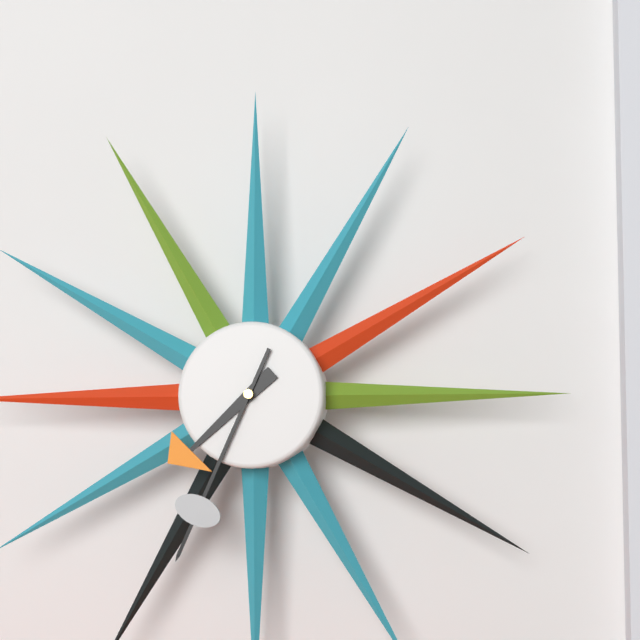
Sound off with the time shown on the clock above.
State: 7:34
